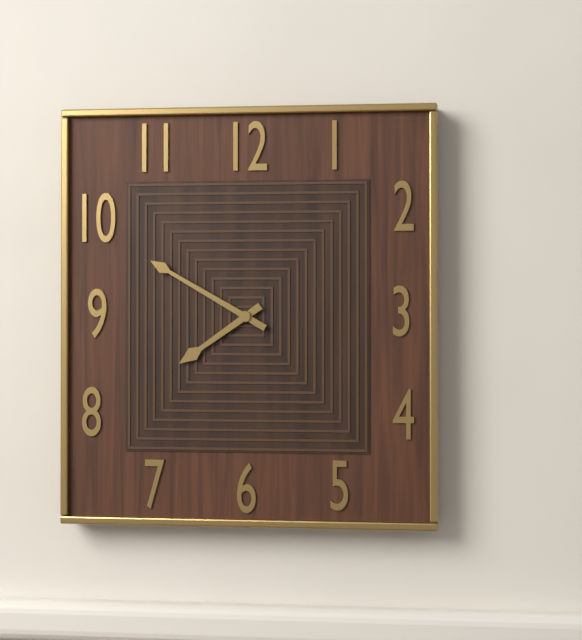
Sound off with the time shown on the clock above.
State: 7:50
